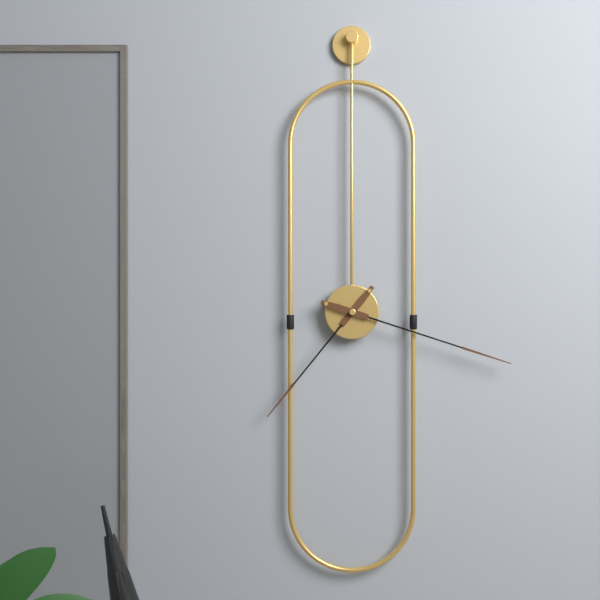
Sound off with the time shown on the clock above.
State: 7:18
